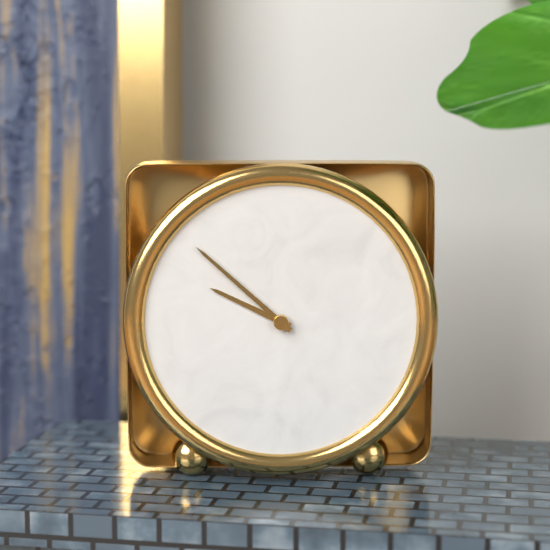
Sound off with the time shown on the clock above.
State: 9:52
